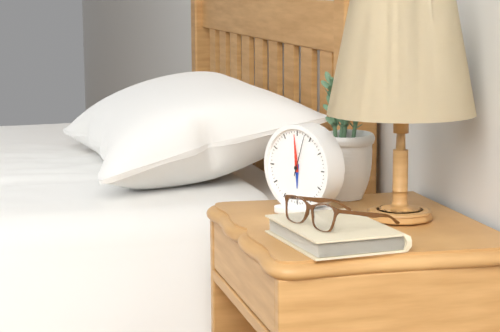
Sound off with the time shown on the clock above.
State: 5:59
